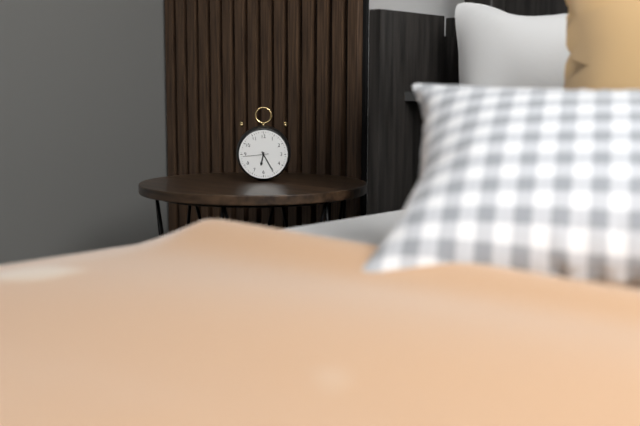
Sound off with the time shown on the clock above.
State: 6:25
